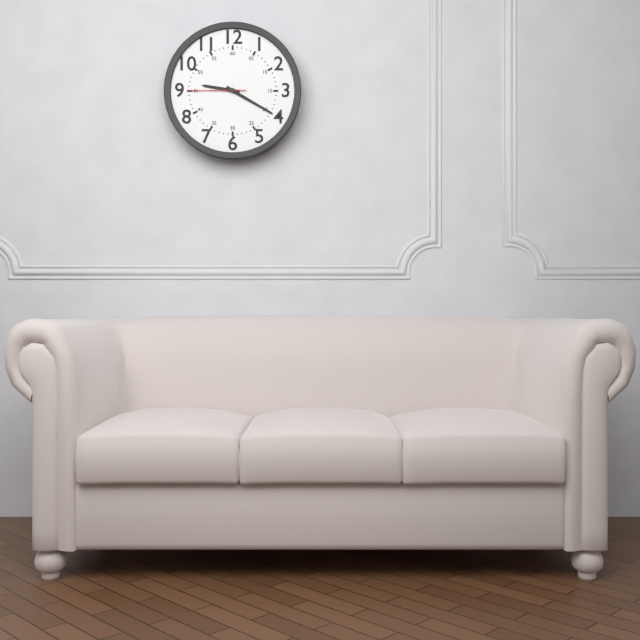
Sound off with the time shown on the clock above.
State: 9:20:45
